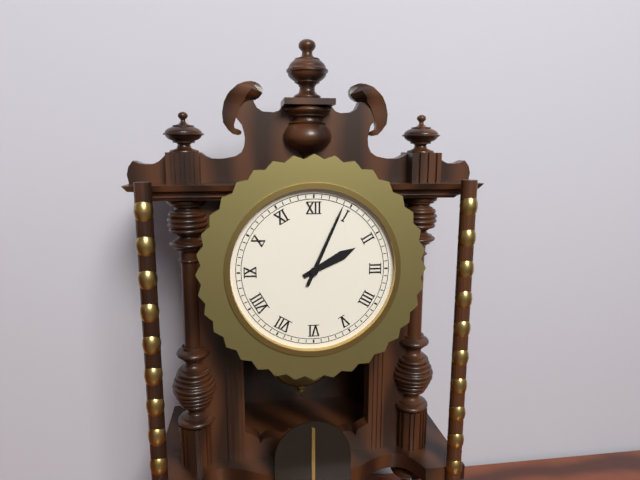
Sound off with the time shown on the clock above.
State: 2:04
